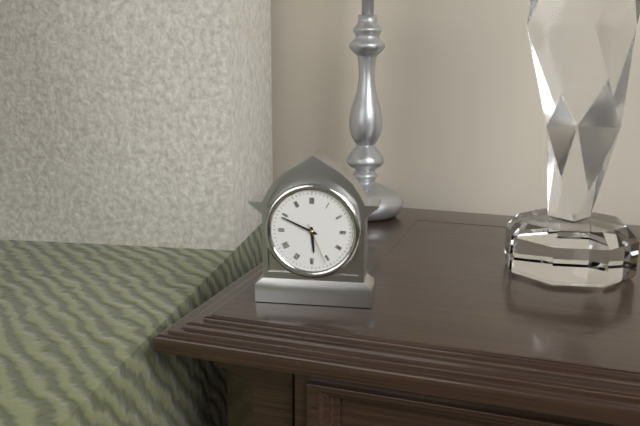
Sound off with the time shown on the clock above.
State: 5:49
